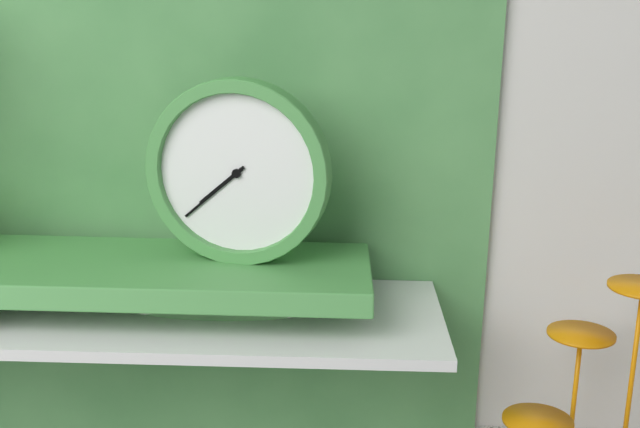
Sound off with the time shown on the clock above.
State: 7:38
